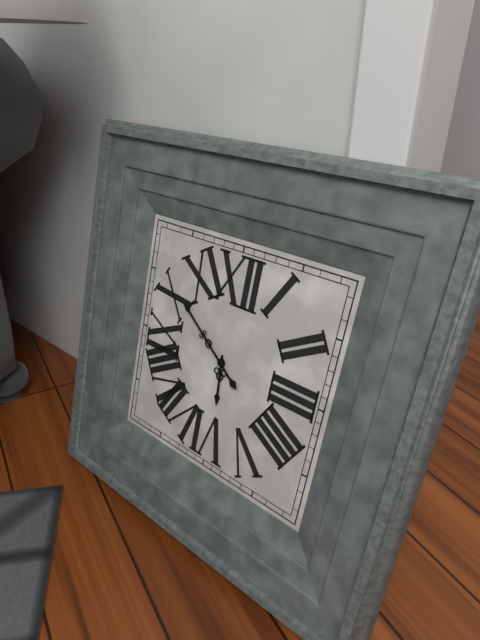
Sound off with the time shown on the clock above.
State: 5:51
